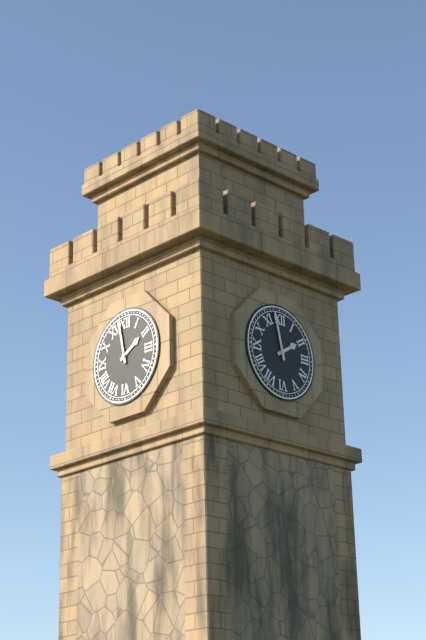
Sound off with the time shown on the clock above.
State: 1:58
